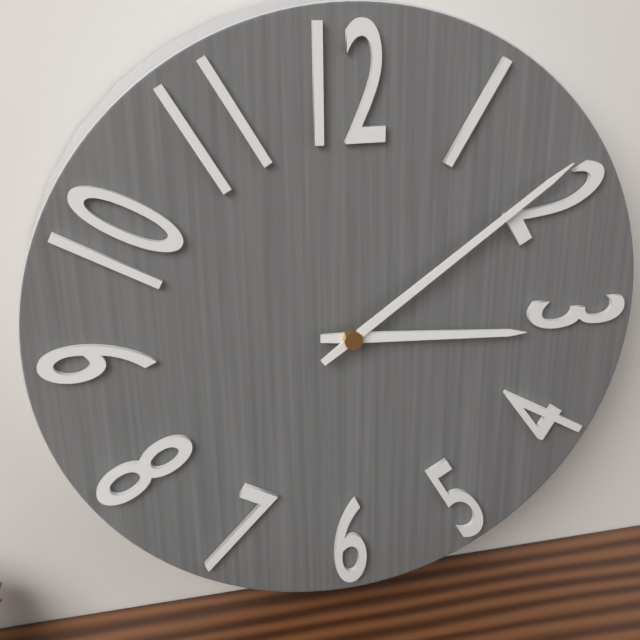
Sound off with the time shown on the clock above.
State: 3:09
